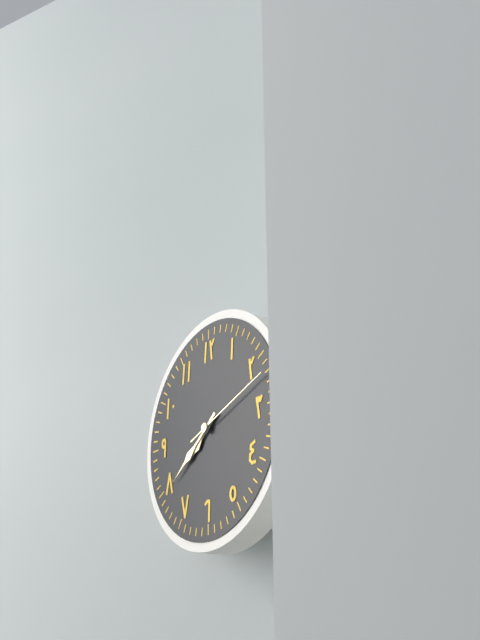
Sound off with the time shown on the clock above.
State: 7:39:12
